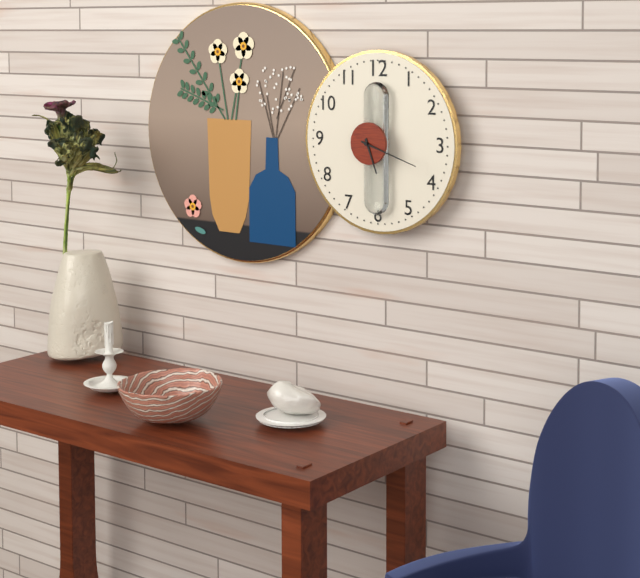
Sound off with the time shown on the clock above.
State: 5:18
